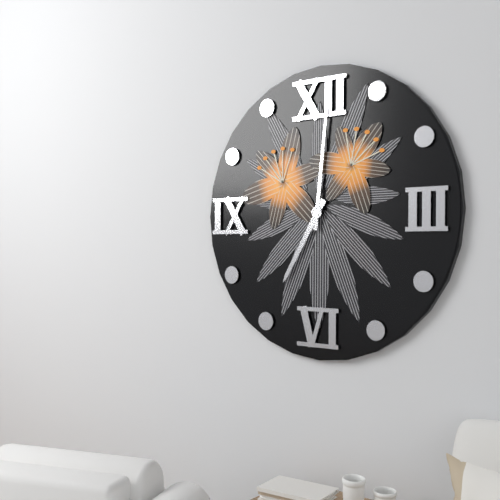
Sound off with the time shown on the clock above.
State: 7:01
